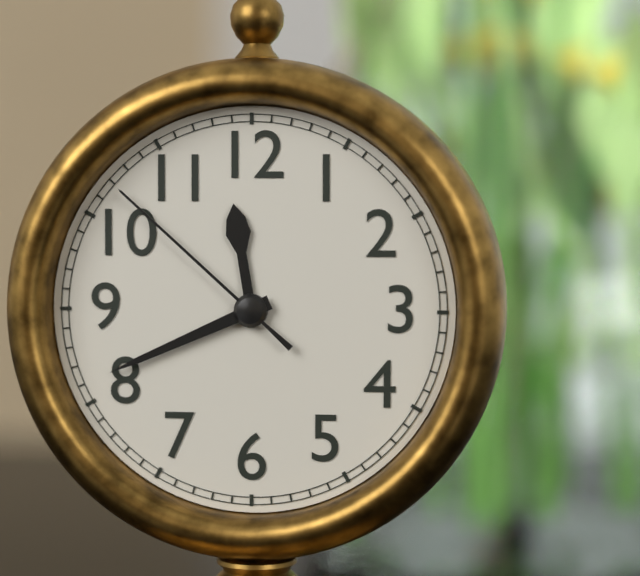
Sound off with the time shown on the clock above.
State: 11:41:52
